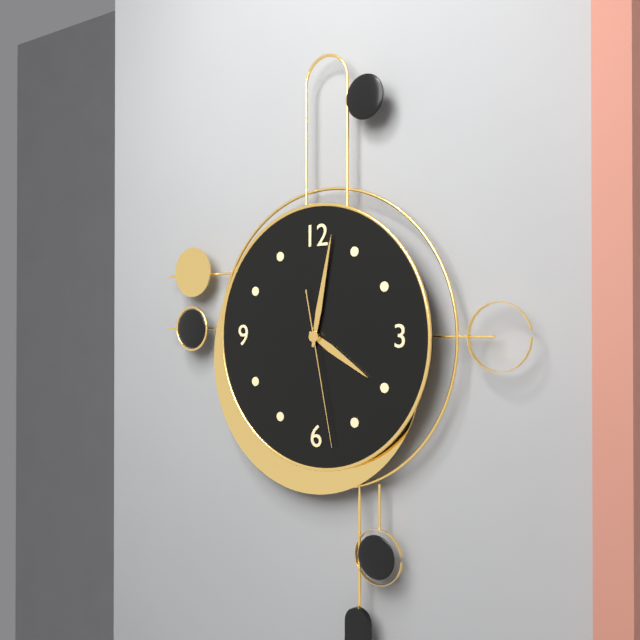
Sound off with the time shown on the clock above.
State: 4:02:28
